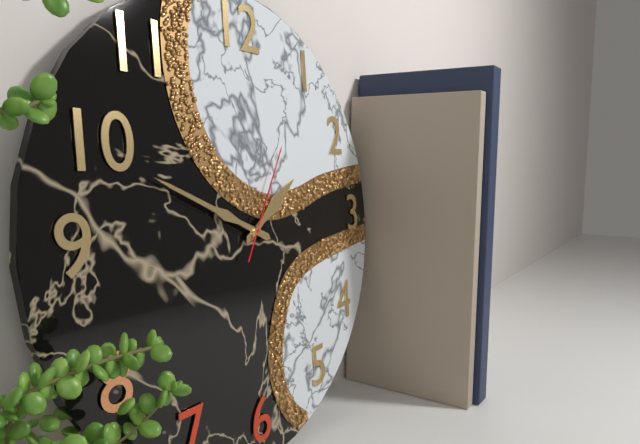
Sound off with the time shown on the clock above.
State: 1:49:05
